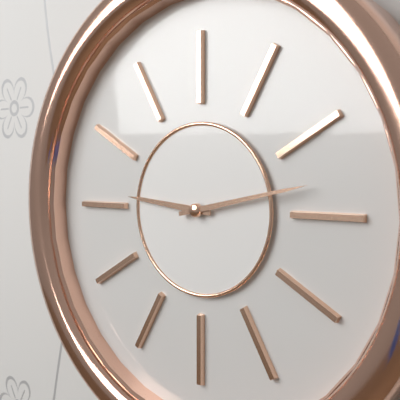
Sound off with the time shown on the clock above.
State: 9:13
